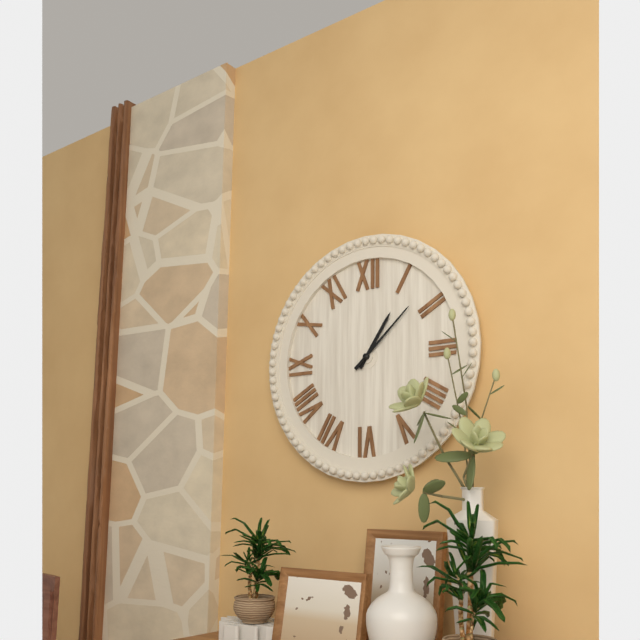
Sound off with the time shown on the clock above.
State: 1:08
